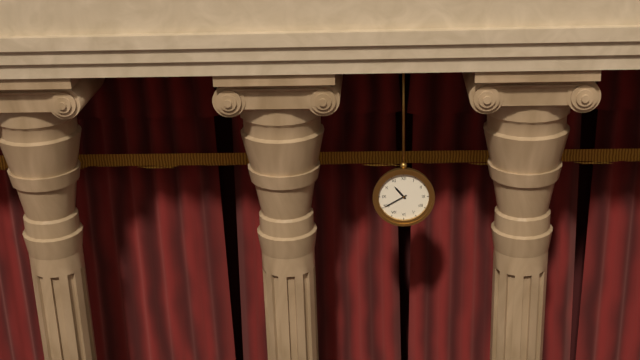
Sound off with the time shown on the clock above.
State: 10:40
